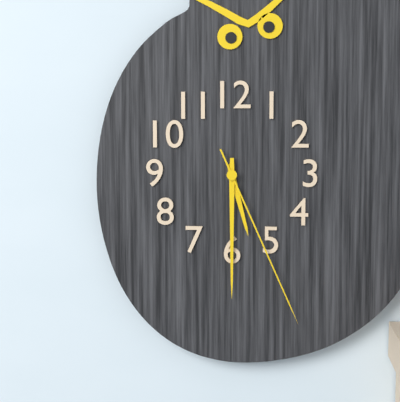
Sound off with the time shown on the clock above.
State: 5:30:26
